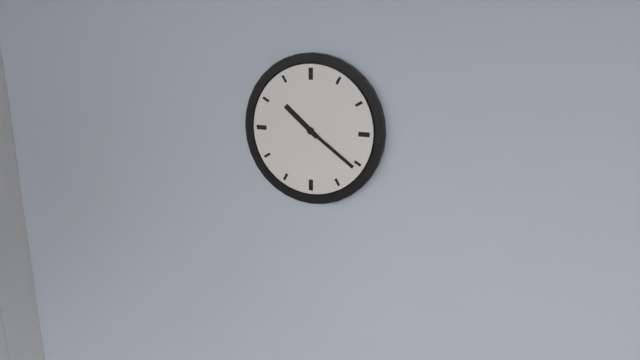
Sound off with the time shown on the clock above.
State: 10:21
